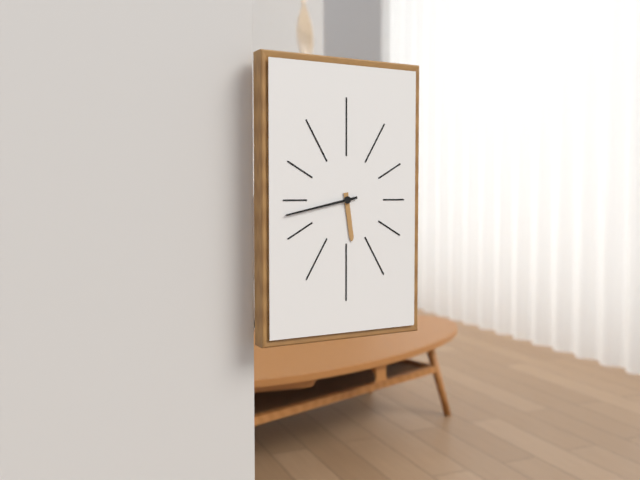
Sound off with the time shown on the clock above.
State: 5:43
